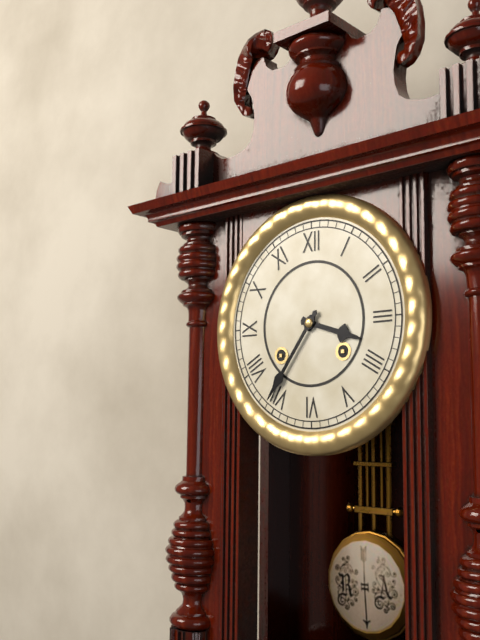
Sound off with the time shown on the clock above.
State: 3:36
